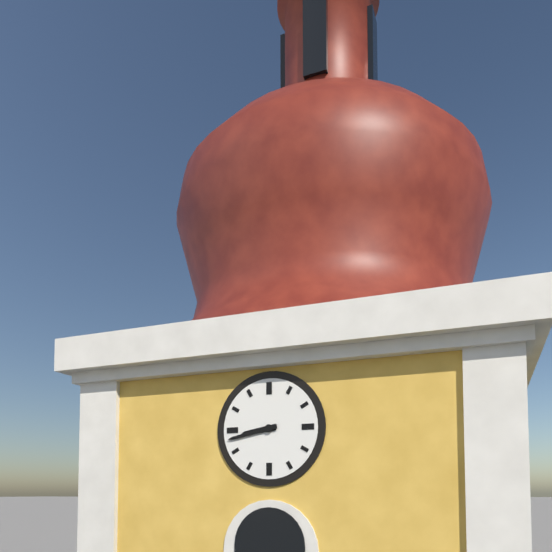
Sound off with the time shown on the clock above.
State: 8:43
